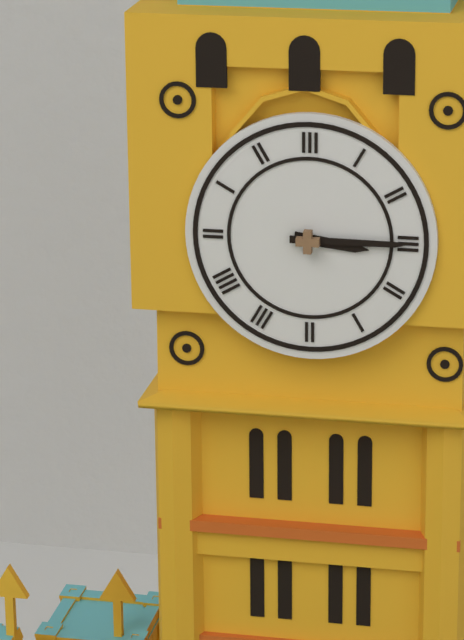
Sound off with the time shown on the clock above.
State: 3:15
